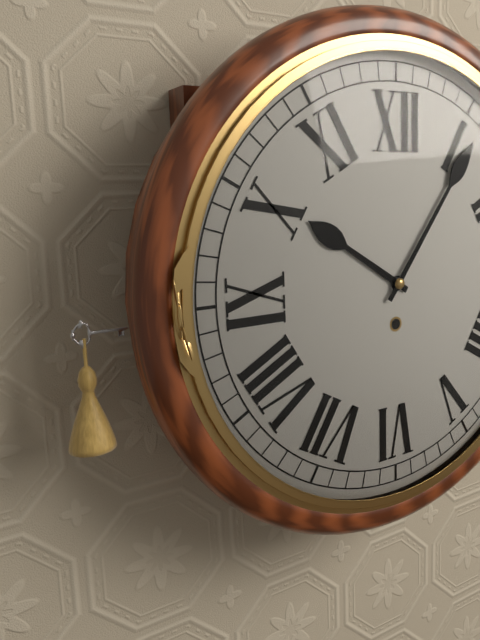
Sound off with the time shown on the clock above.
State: 10:06
